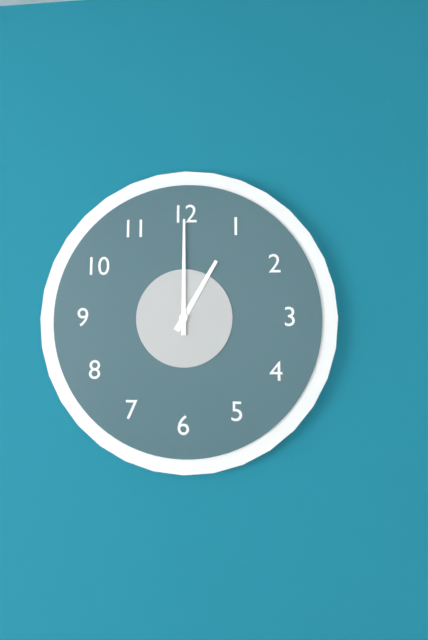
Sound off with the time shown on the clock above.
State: 1:00
